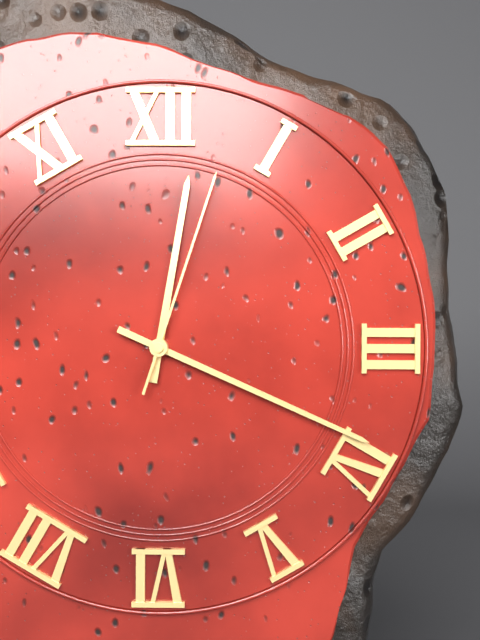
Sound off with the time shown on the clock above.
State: 12:19:03
